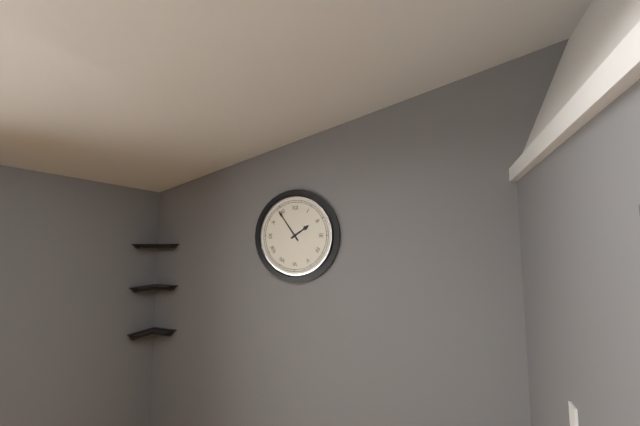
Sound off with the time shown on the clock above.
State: 1:54
